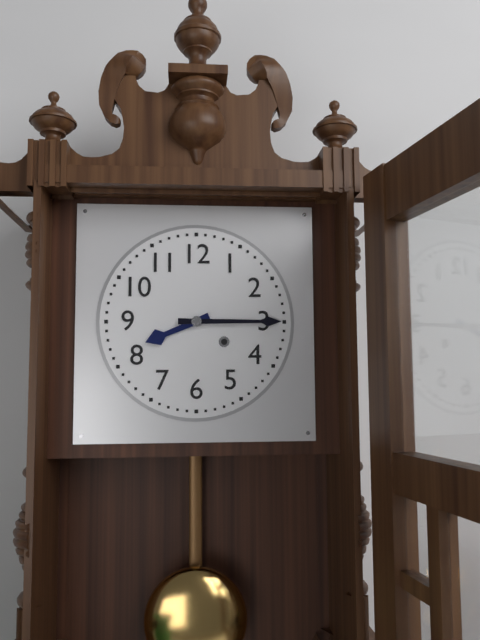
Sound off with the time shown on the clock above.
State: 8:15
